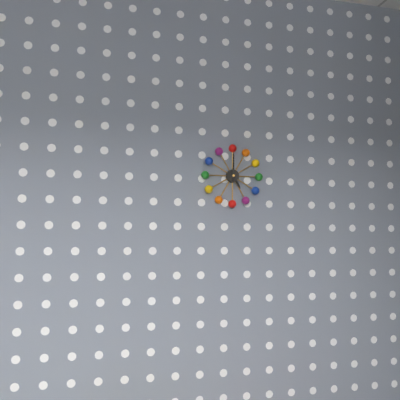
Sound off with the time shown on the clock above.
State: 5:00
